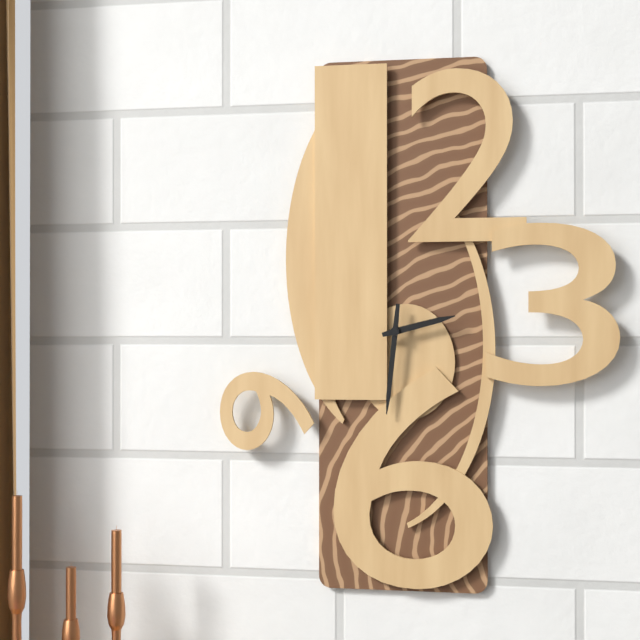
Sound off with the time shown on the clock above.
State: 2:31
